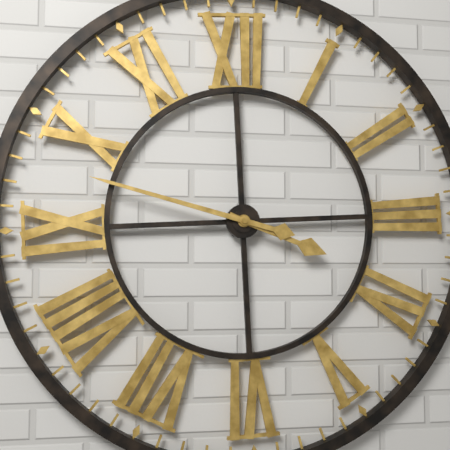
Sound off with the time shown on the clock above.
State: 3:48
